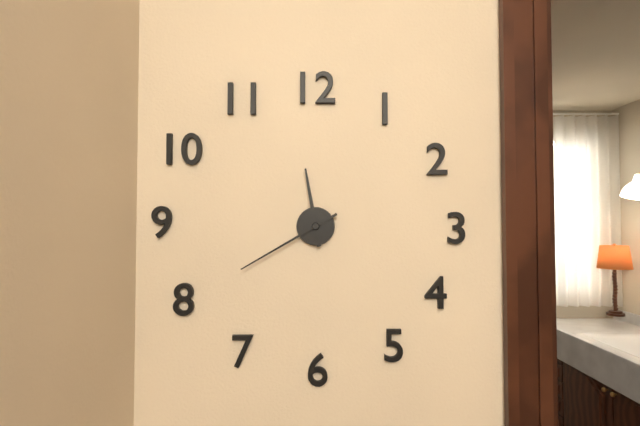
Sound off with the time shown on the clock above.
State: 11:40
